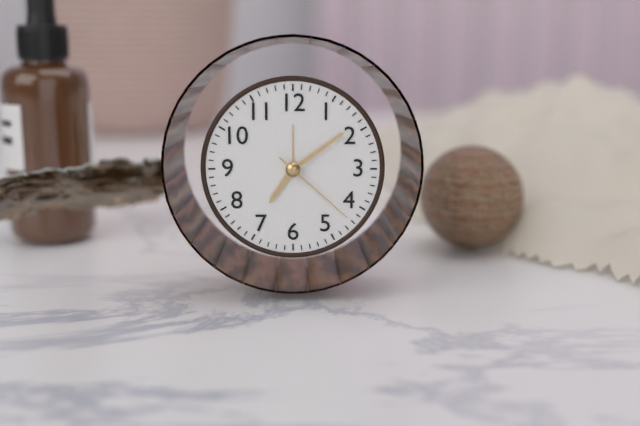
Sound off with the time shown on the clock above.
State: 7:09:22
